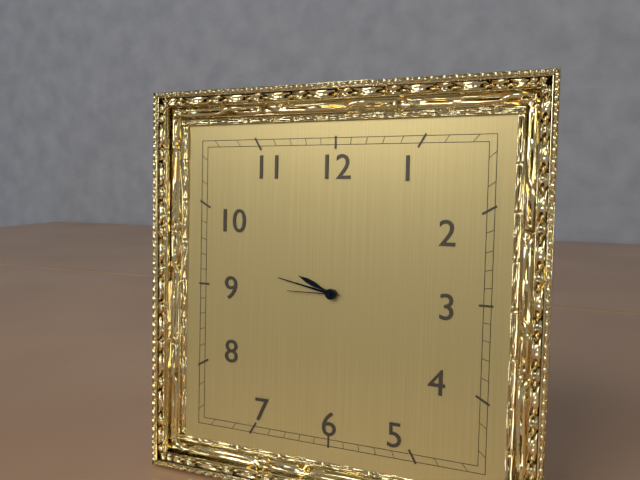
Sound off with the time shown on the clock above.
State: 9:47:45
